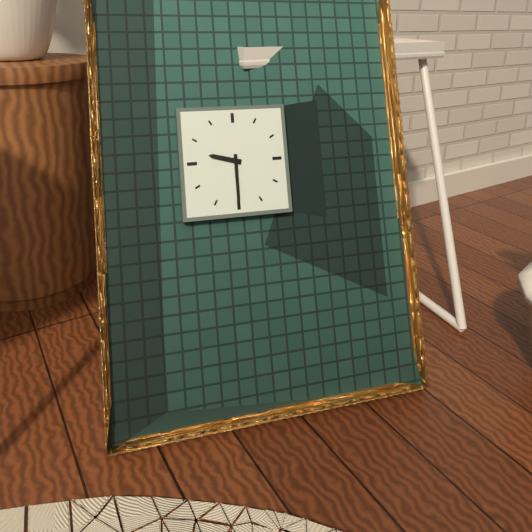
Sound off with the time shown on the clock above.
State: 9:30
